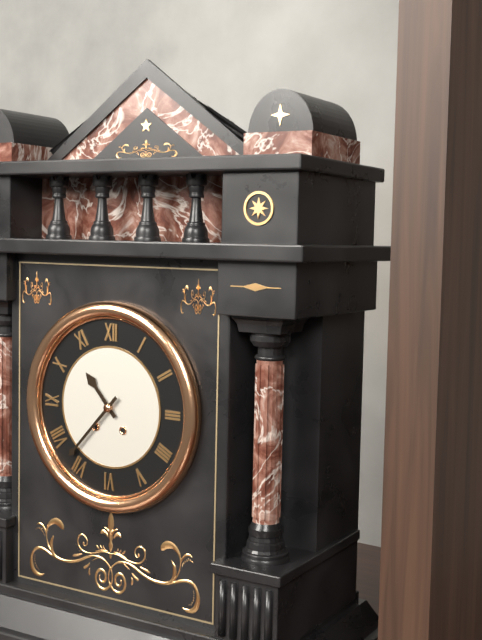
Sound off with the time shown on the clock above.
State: 10:37
